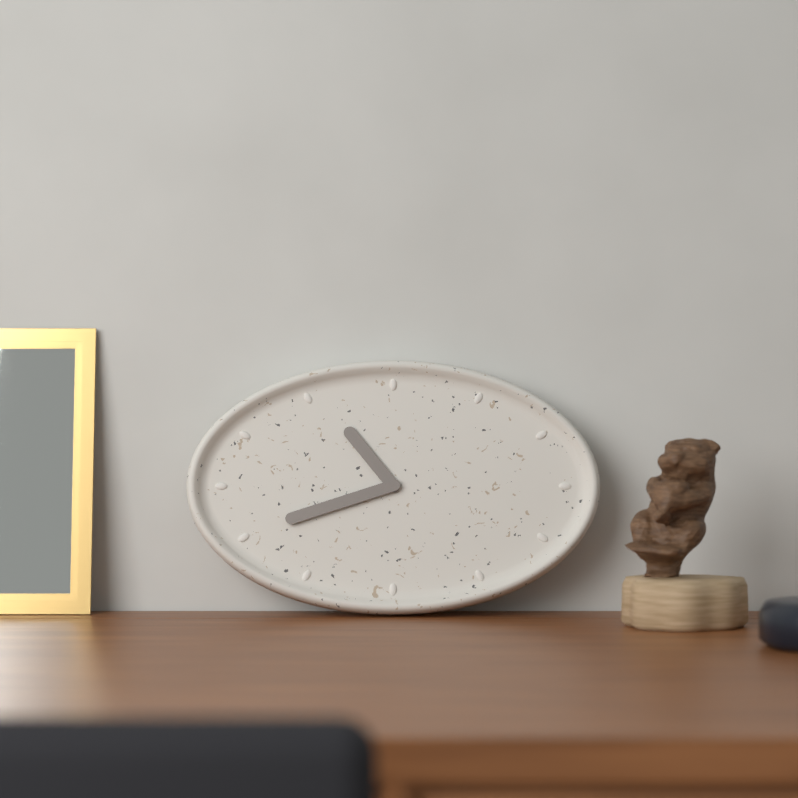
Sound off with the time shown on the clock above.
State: 10:42
